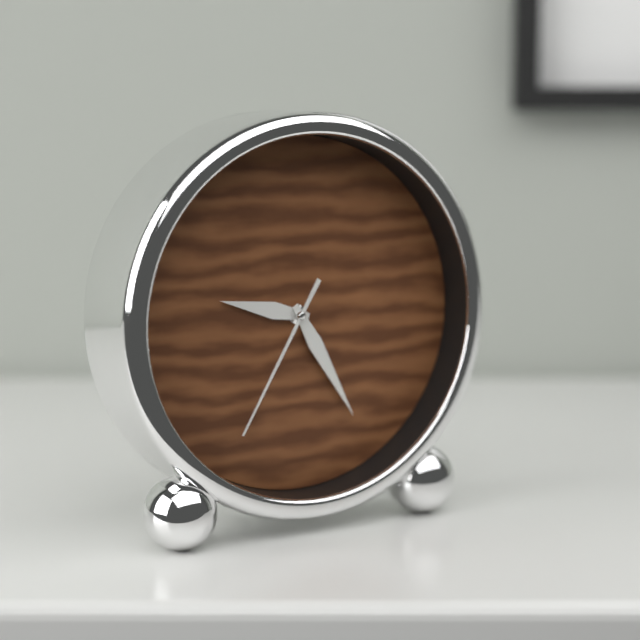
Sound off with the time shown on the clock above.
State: 9:25:35
